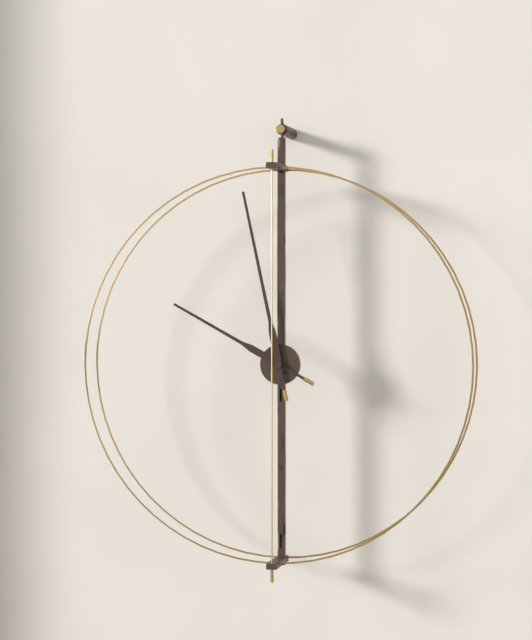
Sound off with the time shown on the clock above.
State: 9:58
